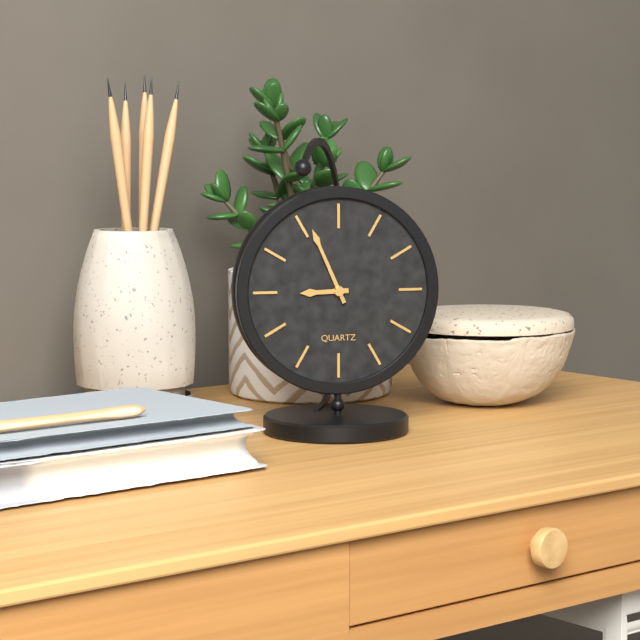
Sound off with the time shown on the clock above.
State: 8:56
